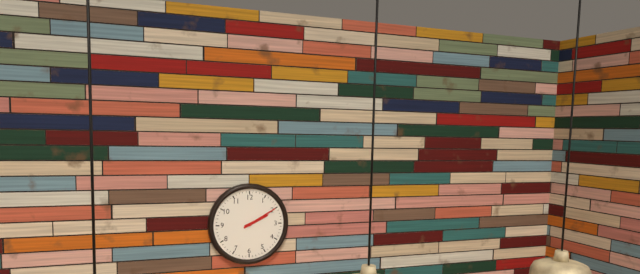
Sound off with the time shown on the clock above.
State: 2:10
